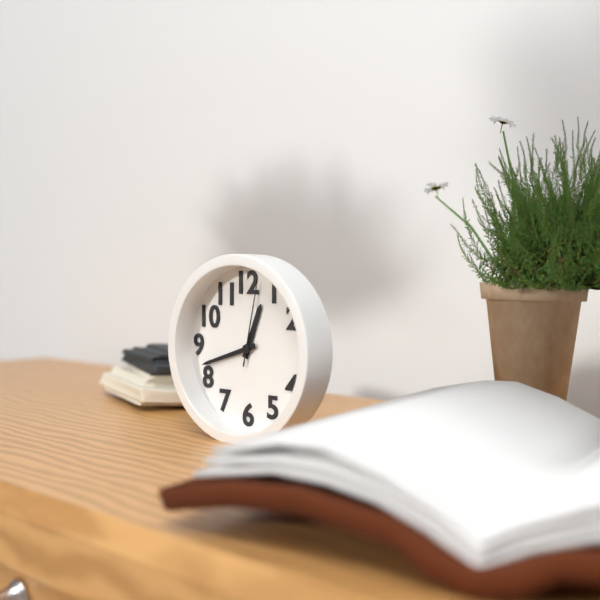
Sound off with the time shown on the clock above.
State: 12:42:02
